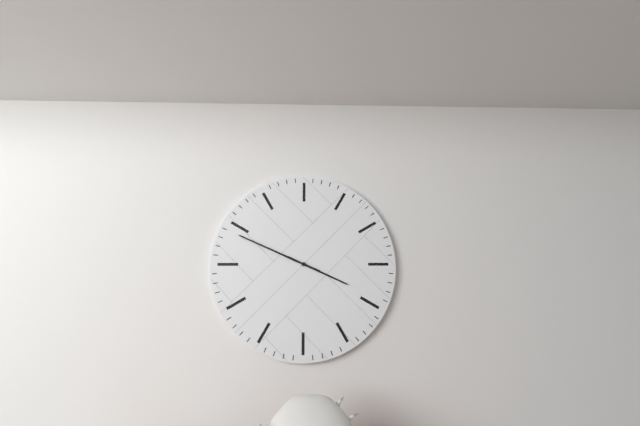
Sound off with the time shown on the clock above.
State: 3:49
